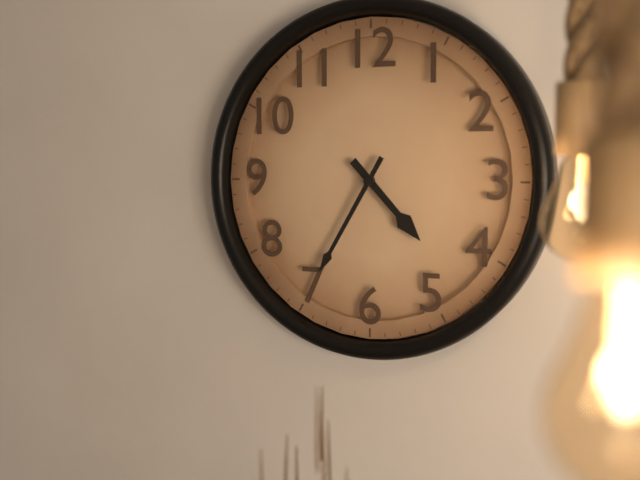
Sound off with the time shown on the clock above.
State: 4:35
